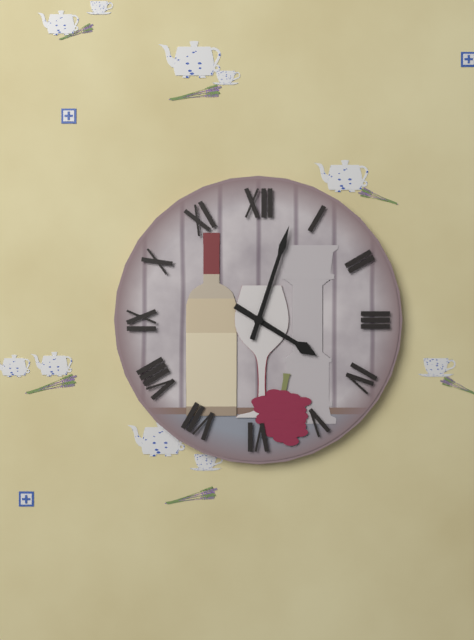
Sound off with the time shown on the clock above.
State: 4:03
